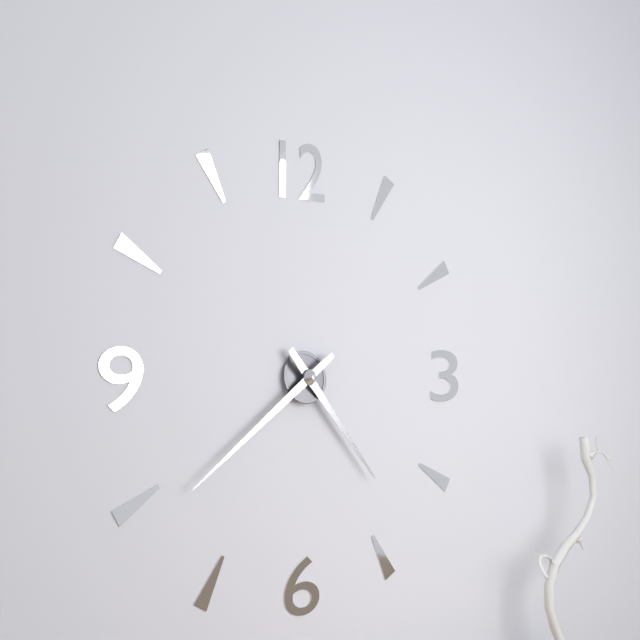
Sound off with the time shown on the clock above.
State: 4:39
